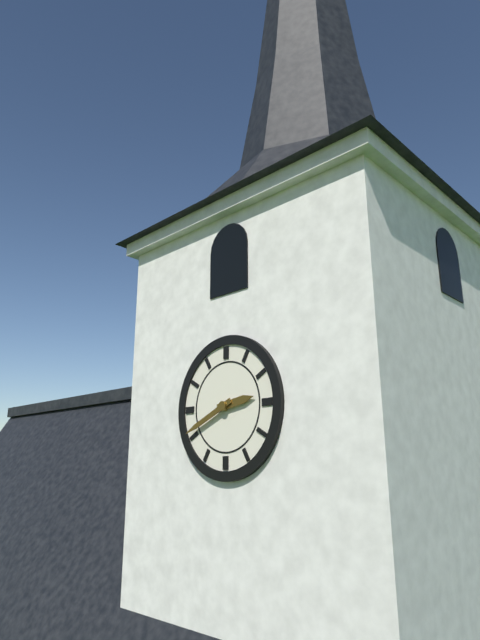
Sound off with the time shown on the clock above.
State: 2:41
